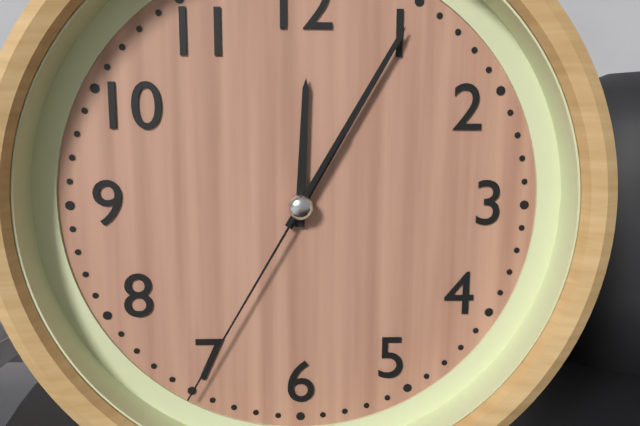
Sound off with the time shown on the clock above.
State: 12:05:35
